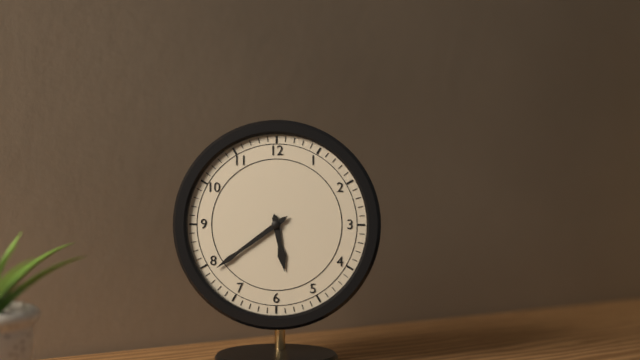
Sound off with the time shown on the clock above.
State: 5:39
